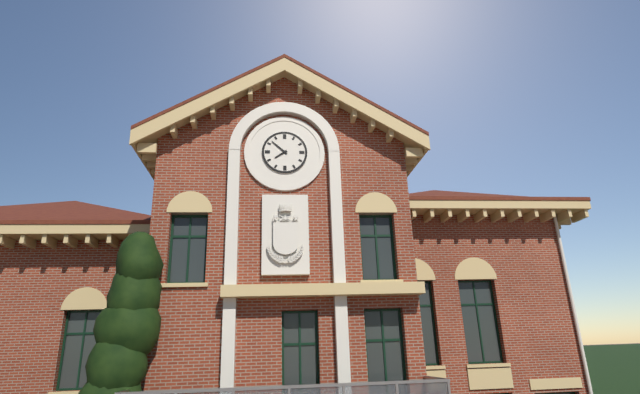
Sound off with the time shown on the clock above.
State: 7:52
